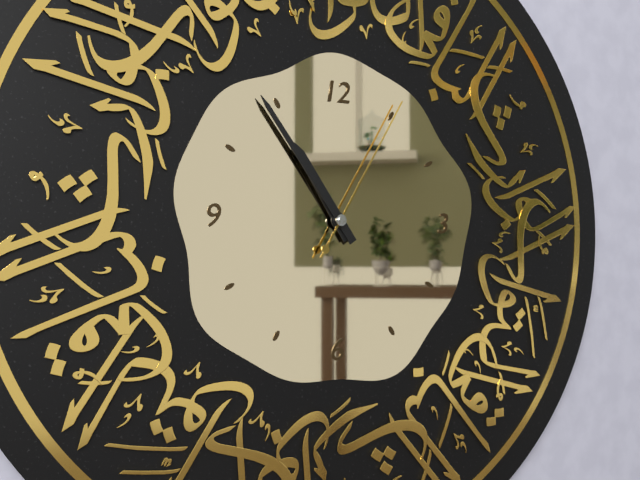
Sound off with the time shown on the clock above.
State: 10:54:05
